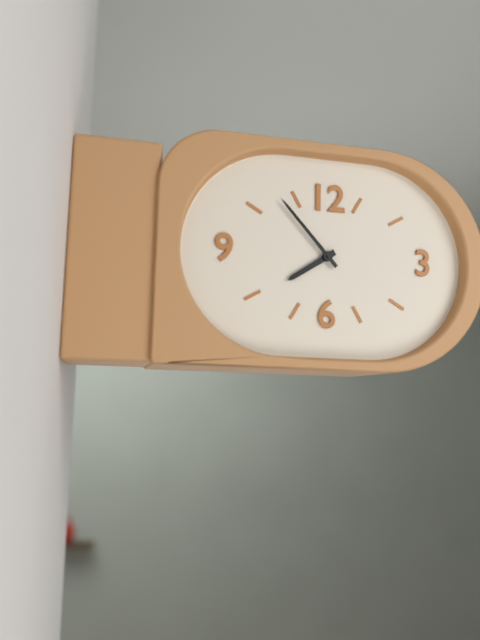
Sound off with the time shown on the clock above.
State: 7:53
